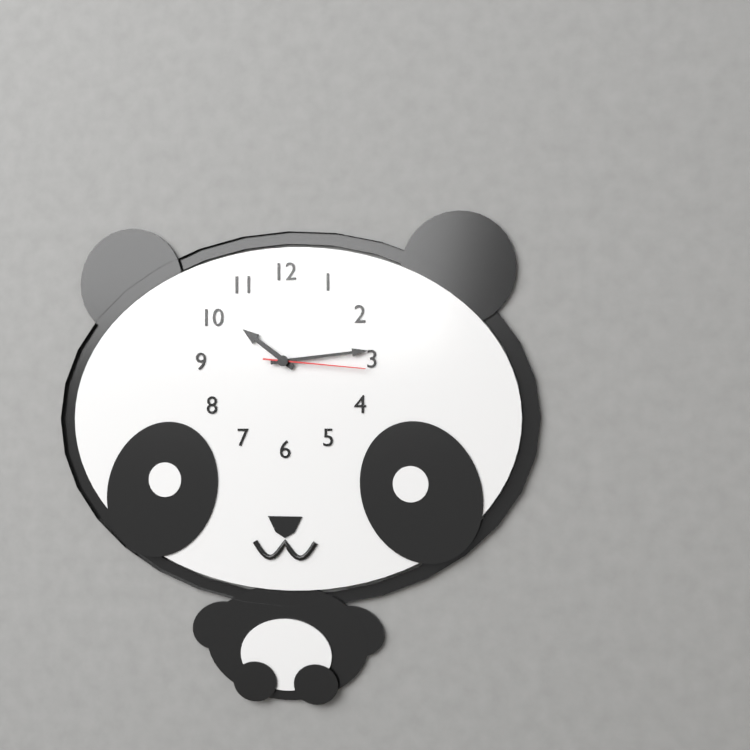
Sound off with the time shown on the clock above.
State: 10:14:16
